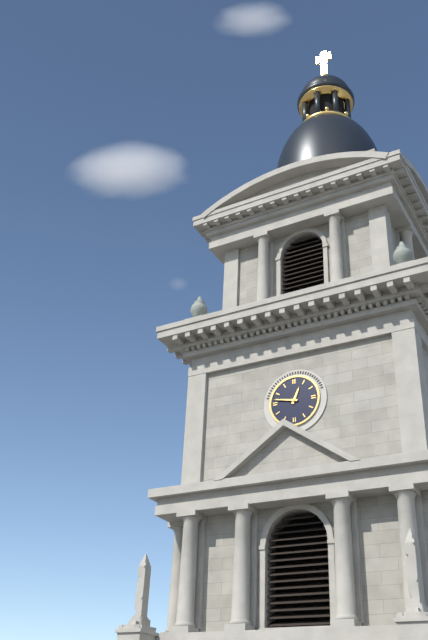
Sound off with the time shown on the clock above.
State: 12:47
